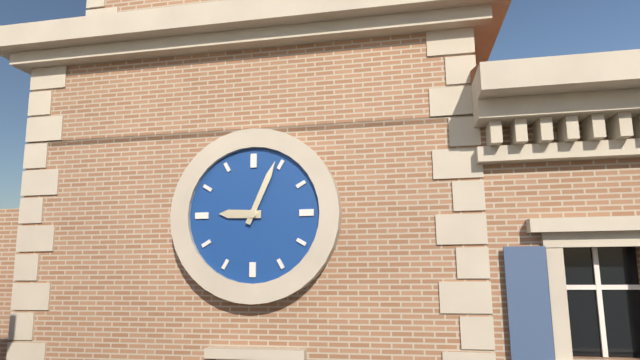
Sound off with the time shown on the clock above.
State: 9:04
